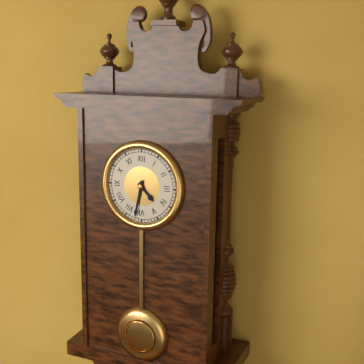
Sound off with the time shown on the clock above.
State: 4:32
